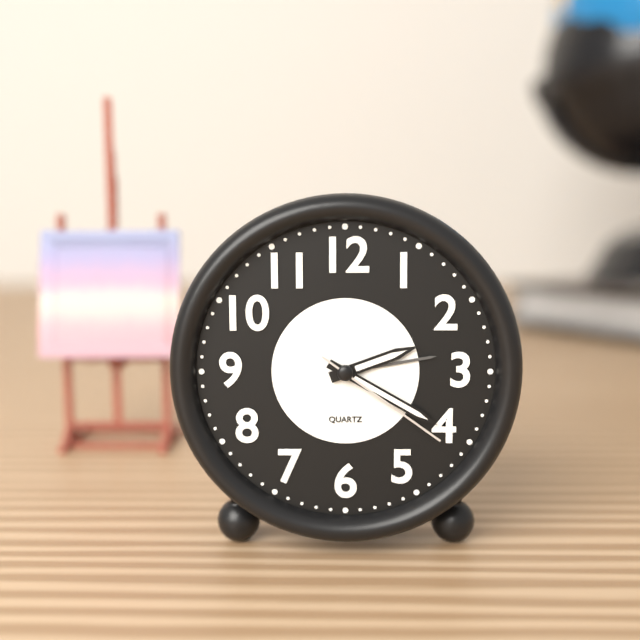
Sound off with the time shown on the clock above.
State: 2:20:21
